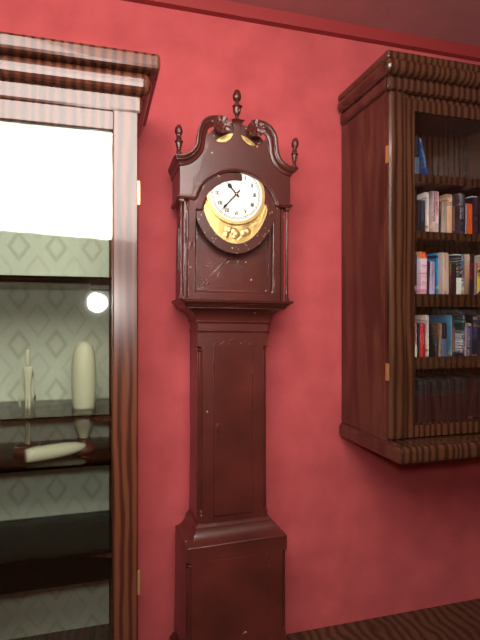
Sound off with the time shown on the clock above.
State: 10:37
